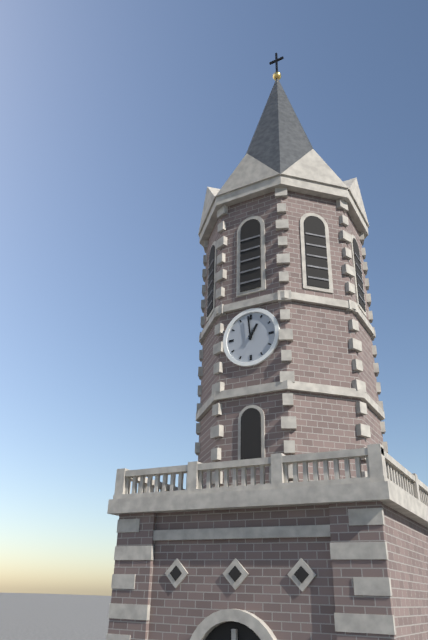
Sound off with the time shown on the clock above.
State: 12:59
